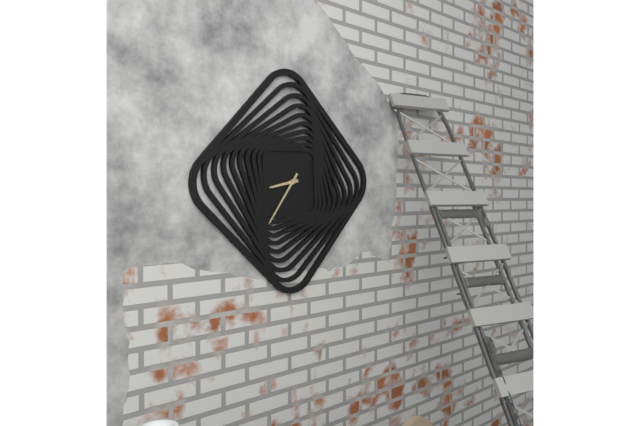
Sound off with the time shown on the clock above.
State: 8:36
